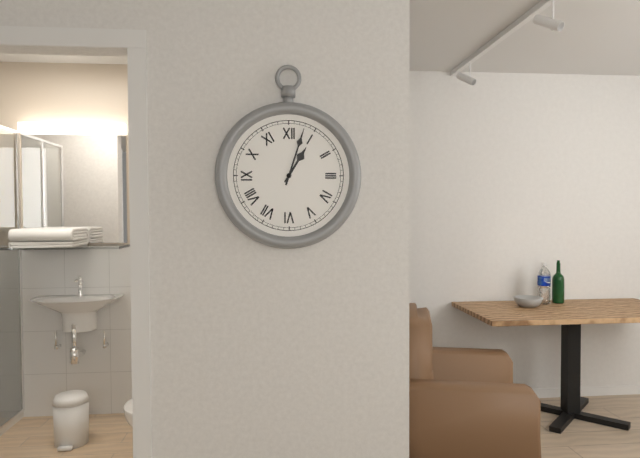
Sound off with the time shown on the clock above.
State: 1:03
